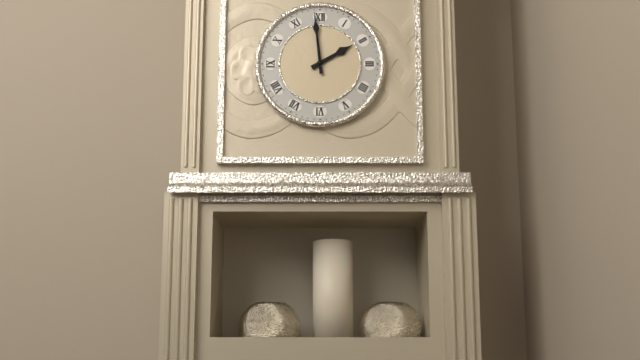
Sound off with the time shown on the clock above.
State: 1:59
